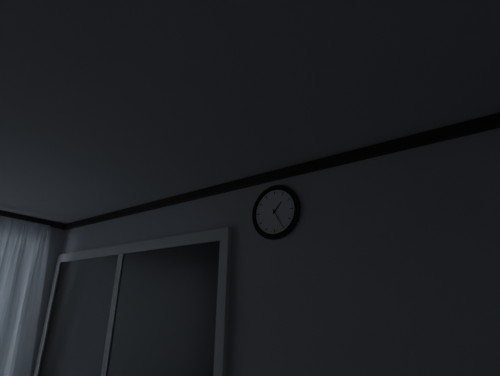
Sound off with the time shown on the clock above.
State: 1:25
